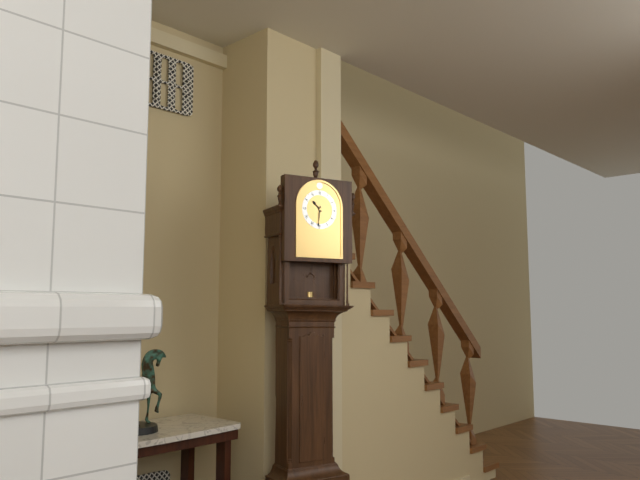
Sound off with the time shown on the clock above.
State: 10:31
